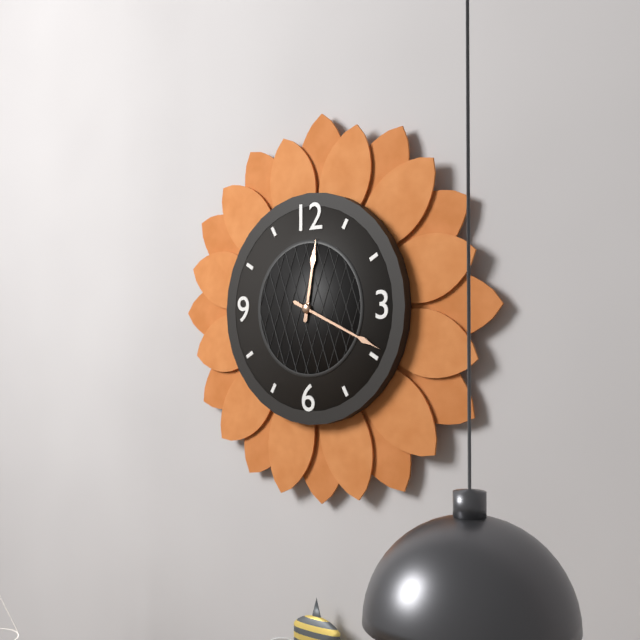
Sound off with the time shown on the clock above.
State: 12:19
